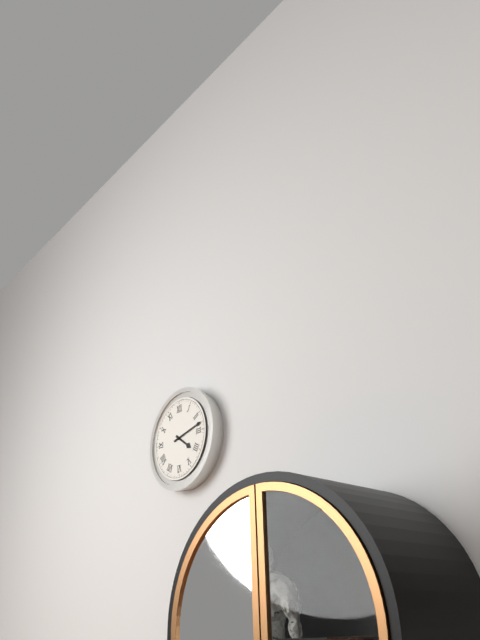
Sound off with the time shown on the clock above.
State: 4:13
